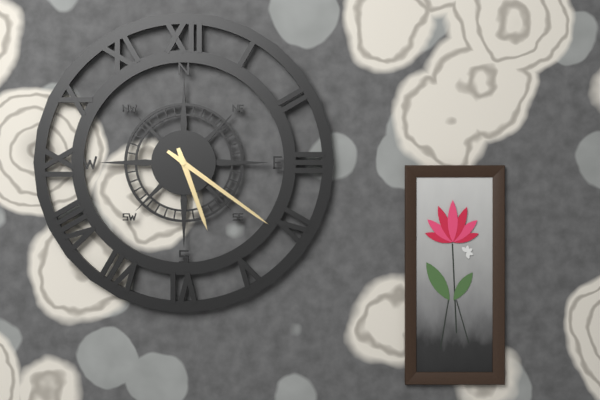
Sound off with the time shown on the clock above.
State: 5:21
